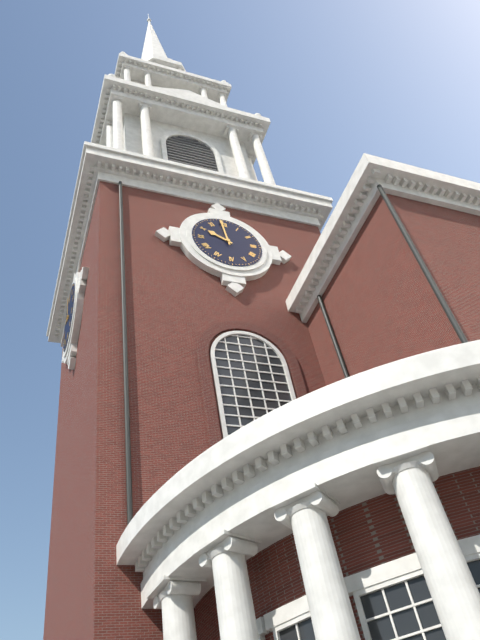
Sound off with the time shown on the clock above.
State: 9:59
